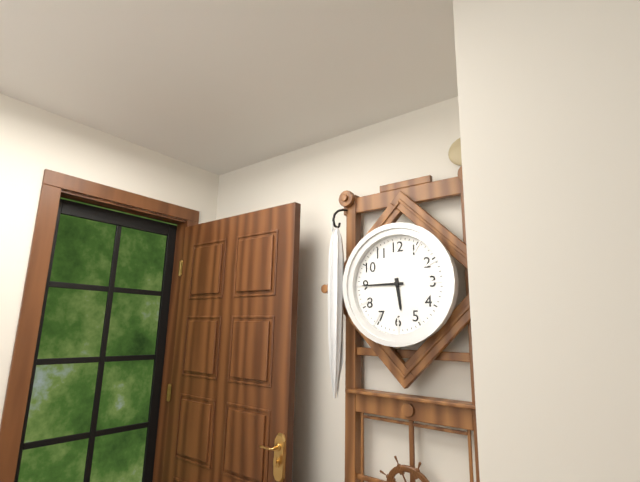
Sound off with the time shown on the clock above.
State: 5:45
